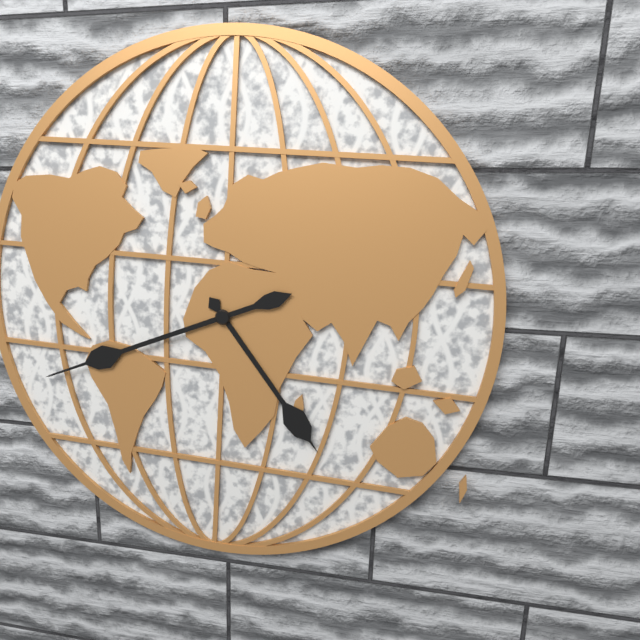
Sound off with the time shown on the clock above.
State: 4:41
